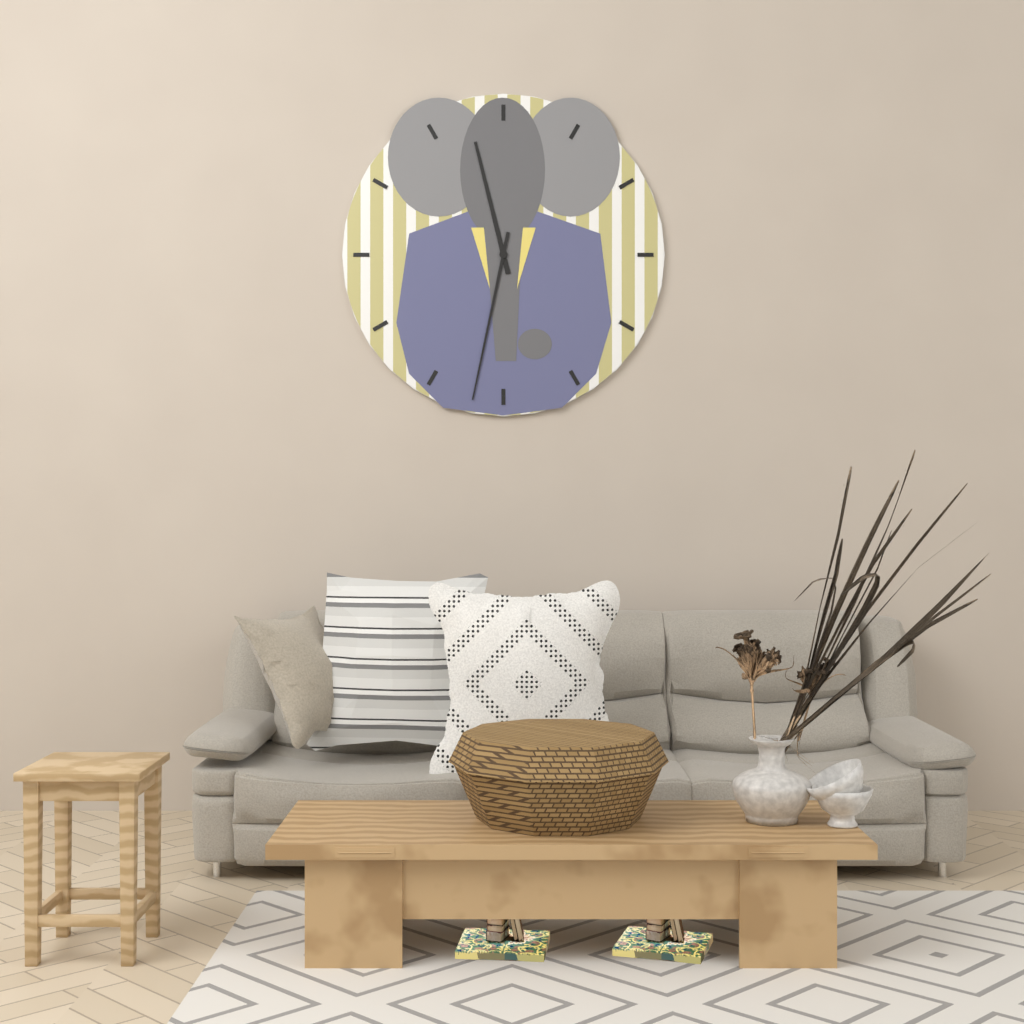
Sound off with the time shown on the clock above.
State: 11:32
